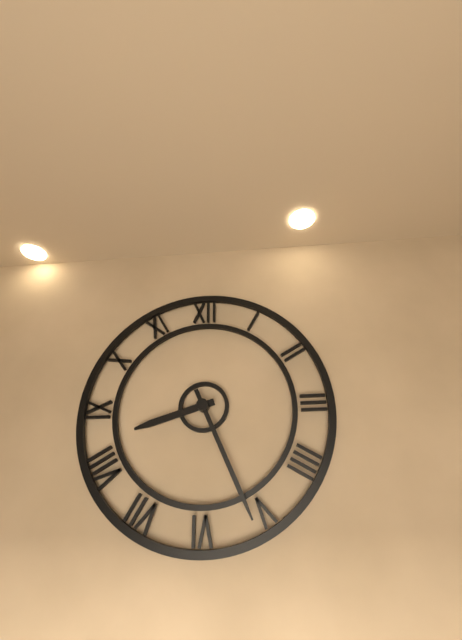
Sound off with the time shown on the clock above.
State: 8:26
